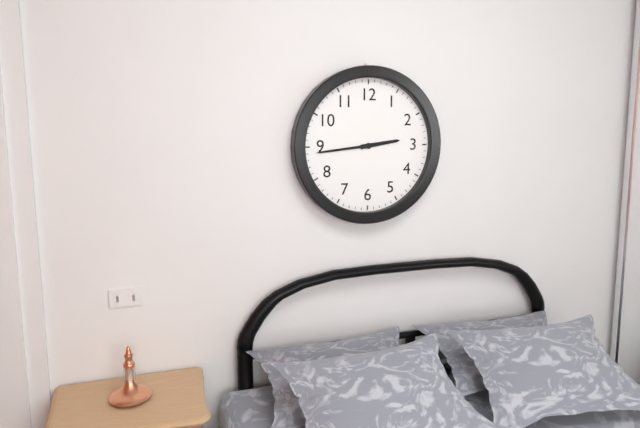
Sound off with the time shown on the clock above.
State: 2:44
